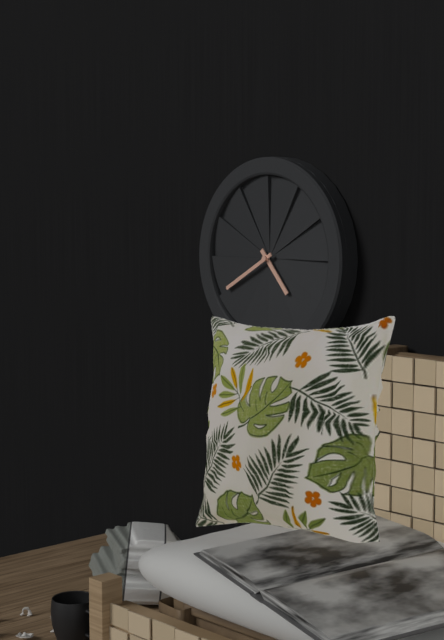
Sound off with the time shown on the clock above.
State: 4:40
